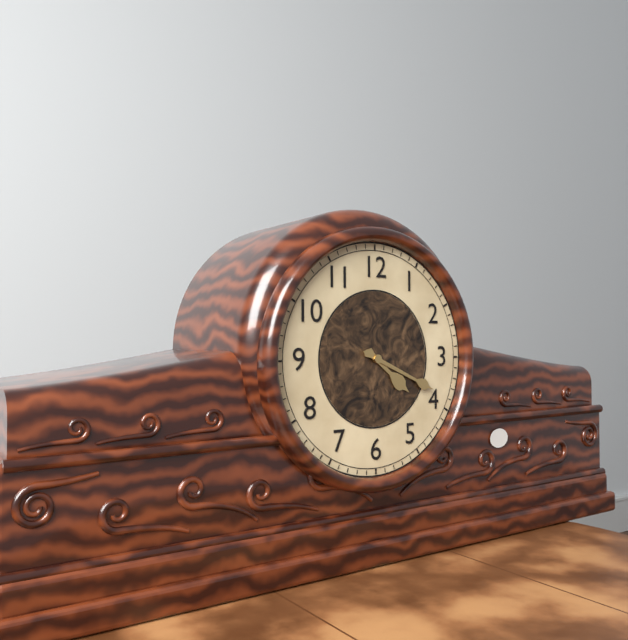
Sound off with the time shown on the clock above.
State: 4:19
